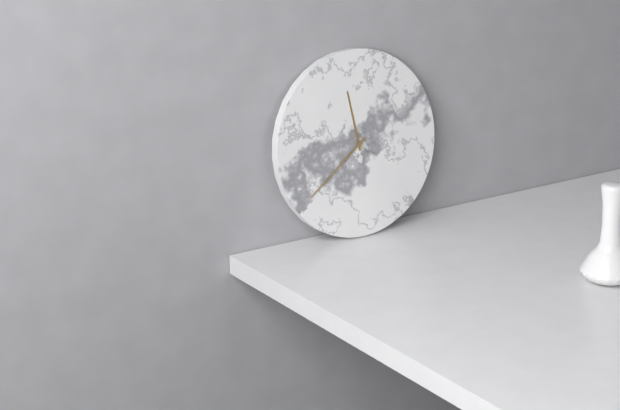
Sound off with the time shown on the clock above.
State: 11:39
